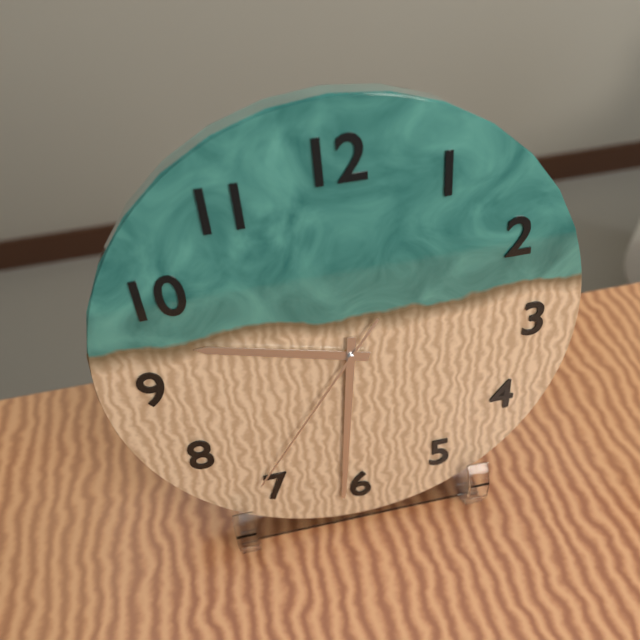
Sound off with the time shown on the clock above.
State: 9:31:36
